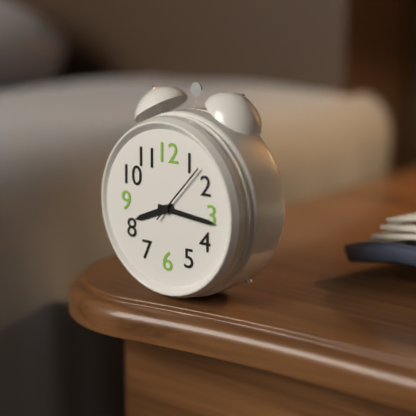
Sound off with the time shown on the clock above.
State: 8:16:07
